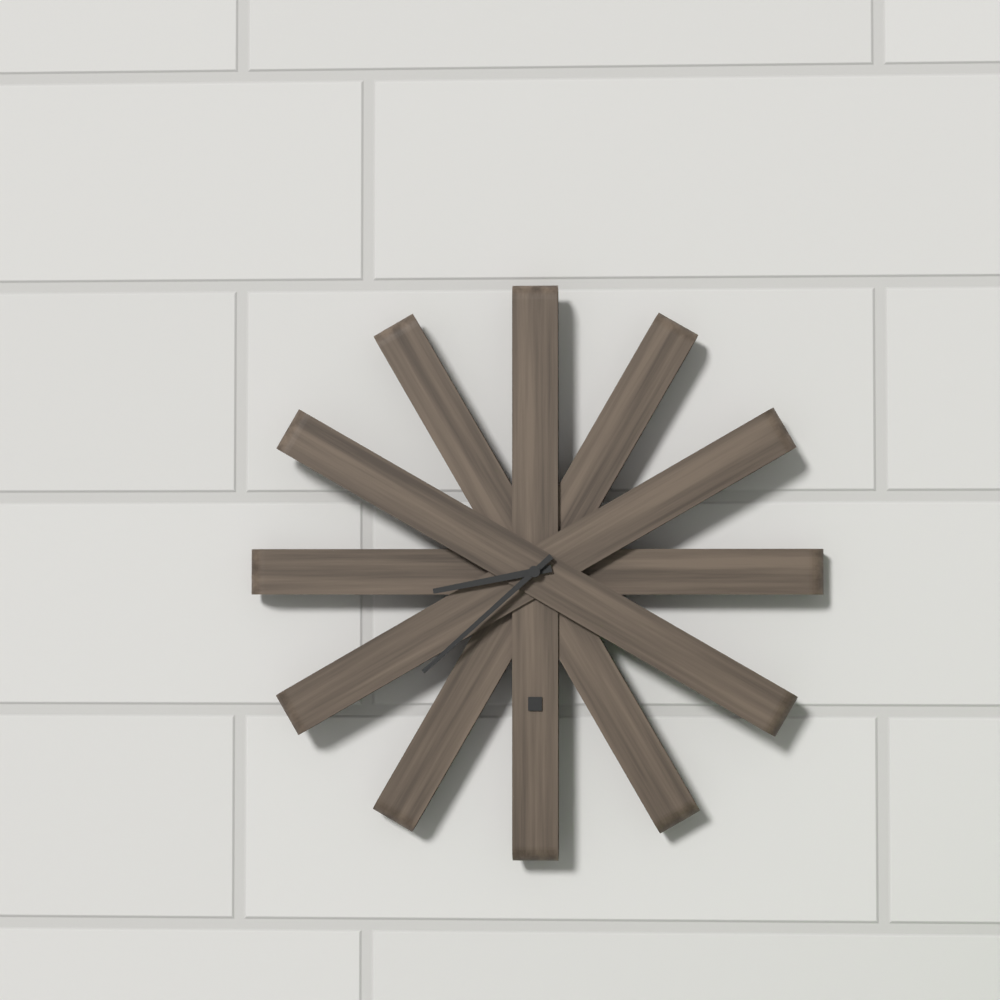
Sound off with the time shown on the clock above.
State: 8:38
